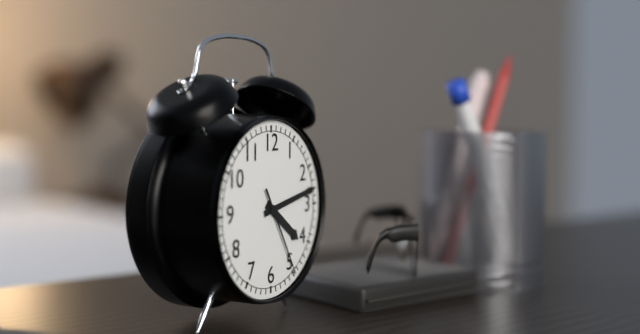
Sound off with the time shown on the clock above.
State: 4:13:25
